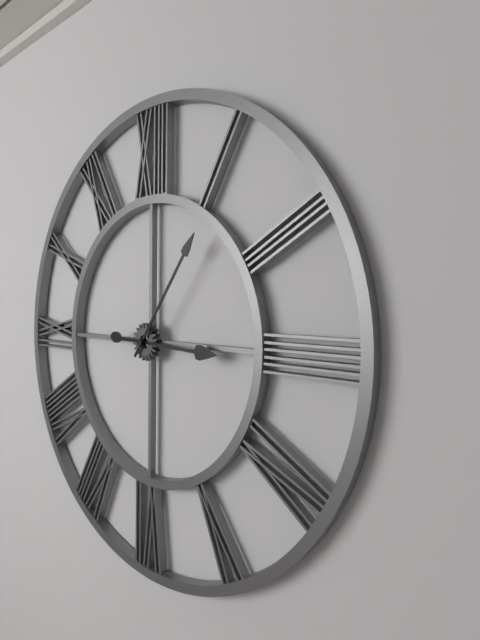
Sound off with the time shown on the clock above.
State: 3:06
